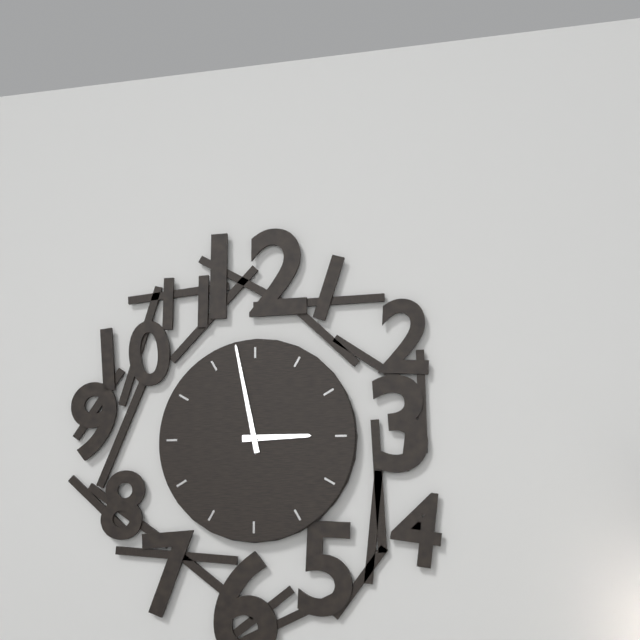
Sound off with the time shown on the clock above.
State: 2:58
